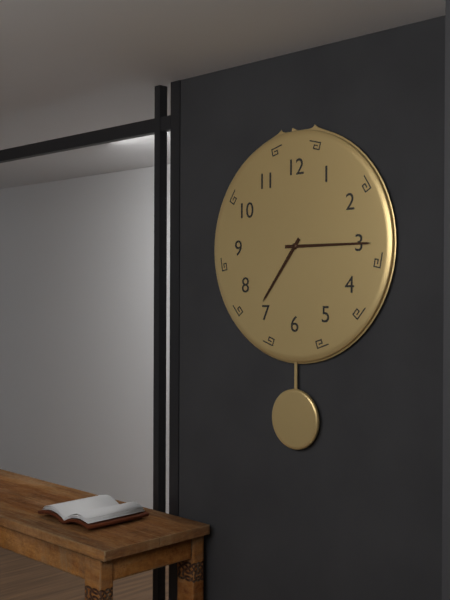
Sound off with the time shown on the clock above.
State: 7:15
